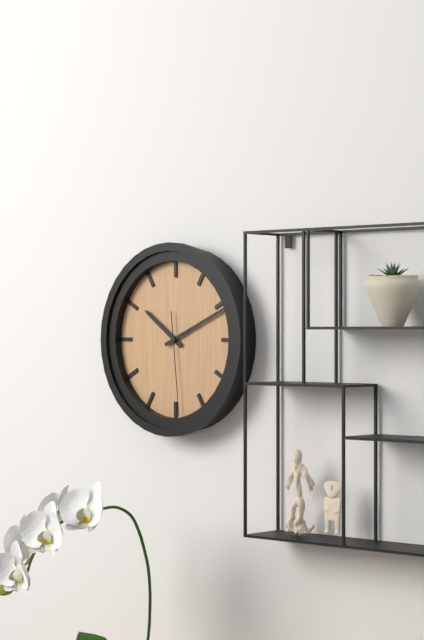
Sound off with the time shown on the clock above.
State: 10:11:29
